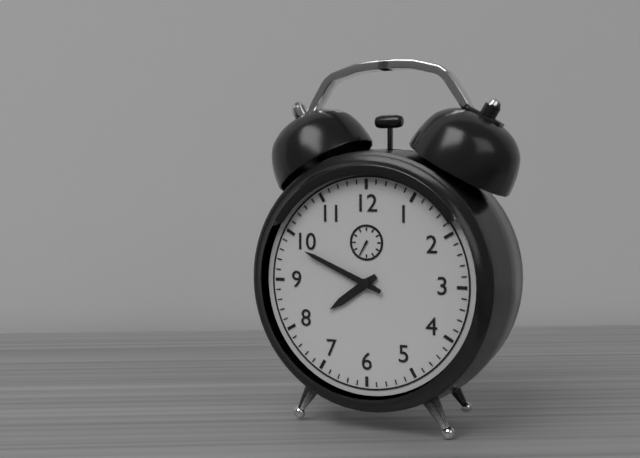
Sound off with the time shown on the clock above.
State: 7:49
